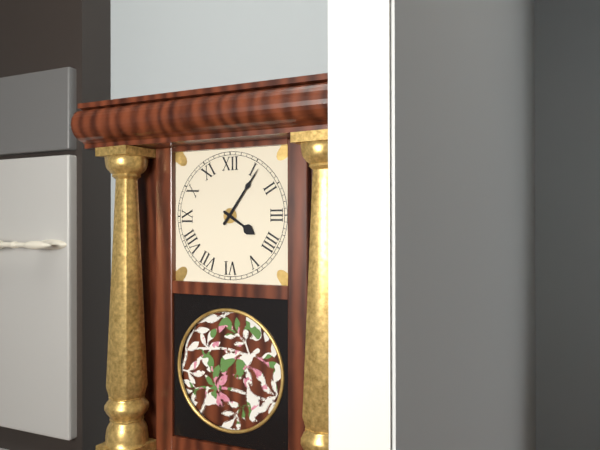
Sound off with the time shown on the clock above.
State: 4:06
